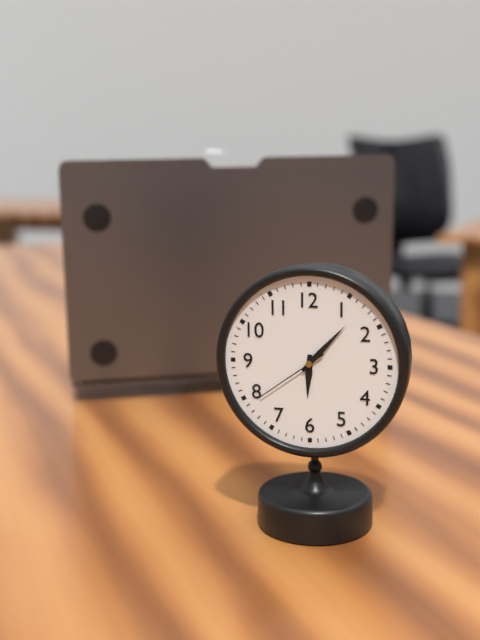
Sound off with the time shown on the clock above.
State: 6:07:39
